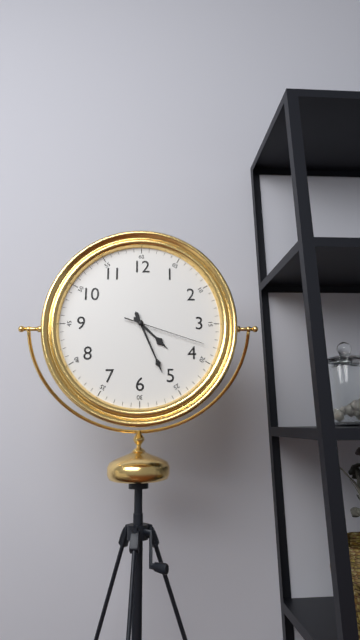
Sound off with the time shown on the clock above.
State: 4:26:18
